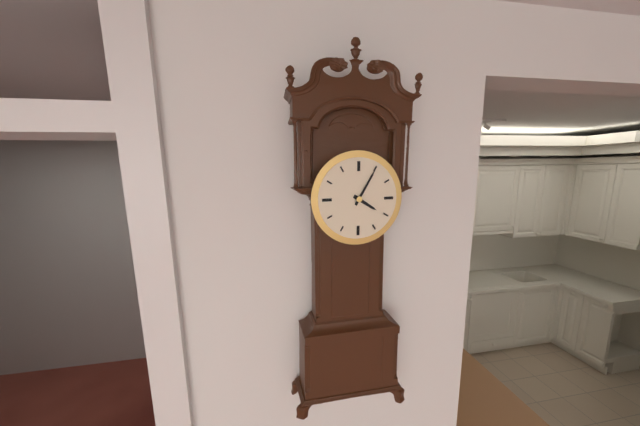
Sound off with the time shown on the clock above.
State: 4:05
